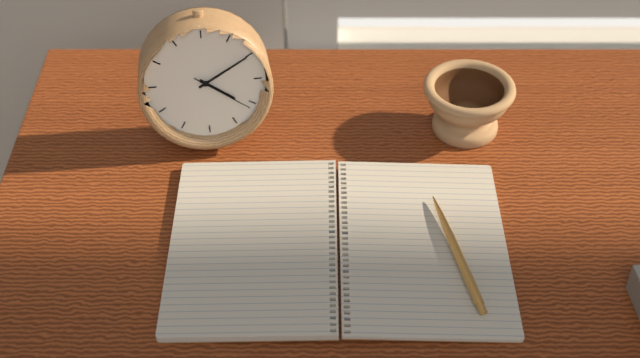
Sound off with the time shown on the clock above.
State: 4:10:21
